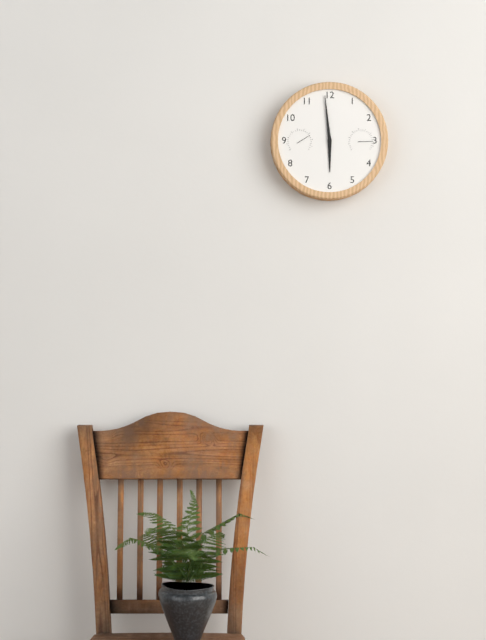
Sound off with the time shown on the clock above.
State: 5:59
